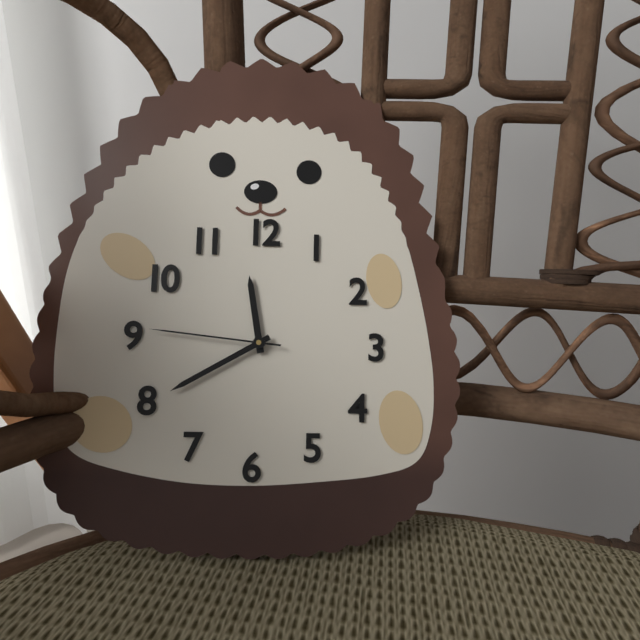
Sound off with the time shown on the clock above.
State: 11:40:46
